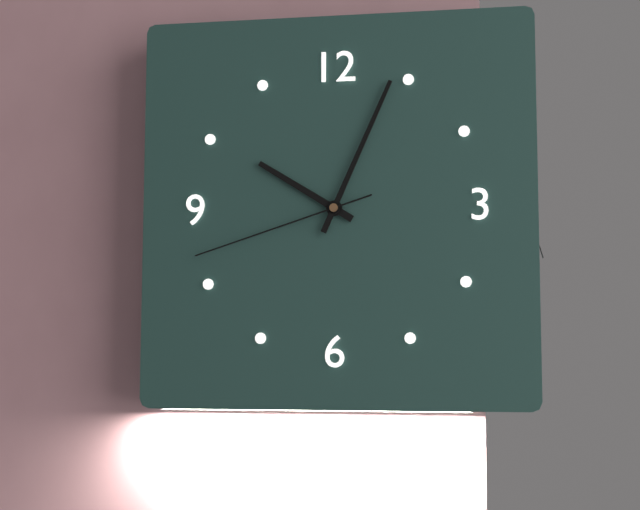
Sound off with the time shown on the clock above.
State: 10:04:42
